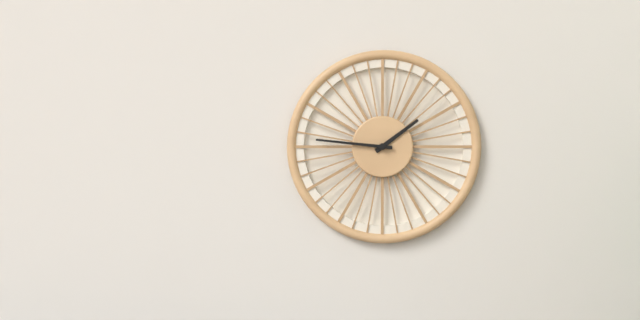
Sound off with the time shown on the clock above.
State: 1:46
